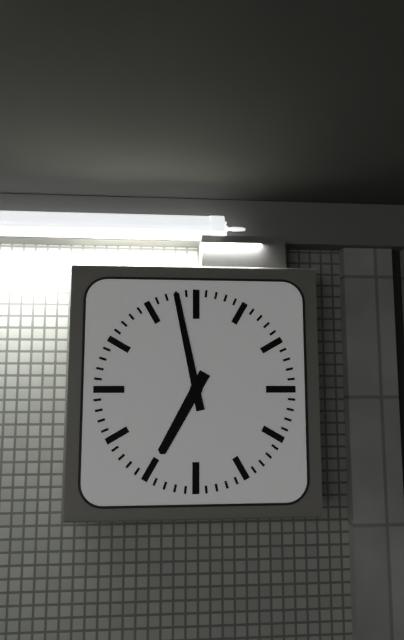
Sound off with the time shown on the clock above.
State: 6:58
